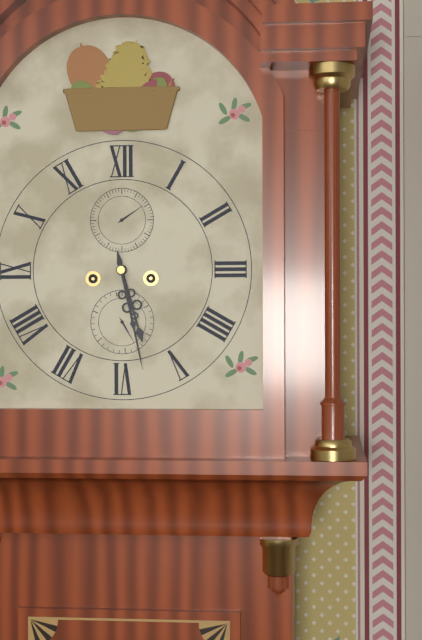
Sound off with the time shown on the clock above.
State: 5:28
